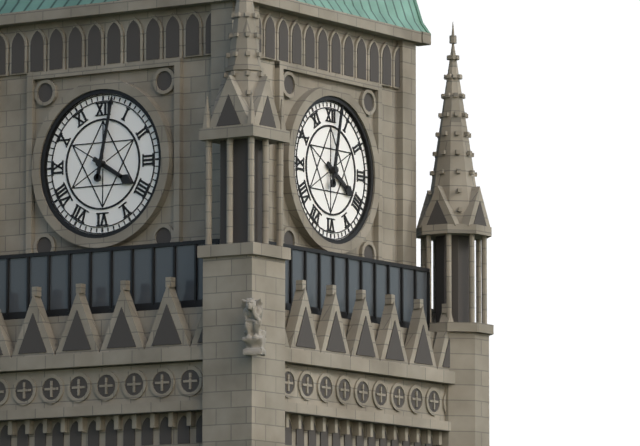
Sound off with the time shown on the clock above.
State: 4:02
